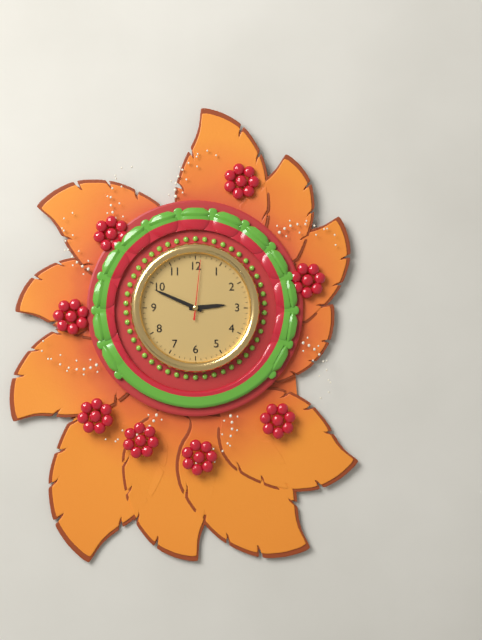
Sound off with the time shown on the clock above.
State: 2:49:01
